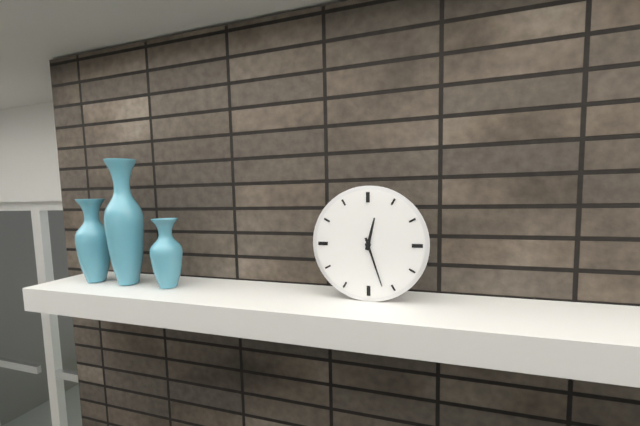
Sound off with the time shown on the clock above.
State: 12:27
